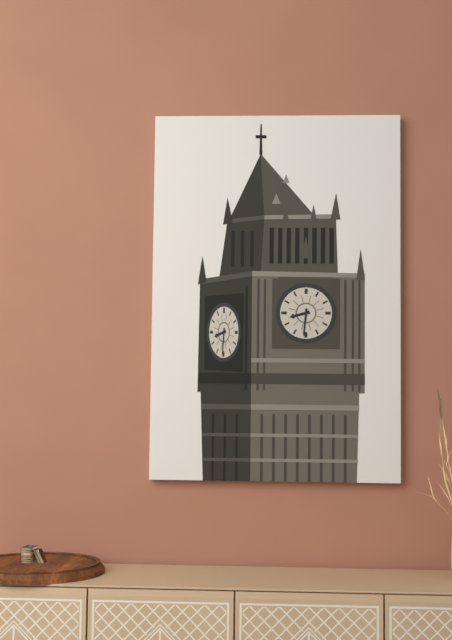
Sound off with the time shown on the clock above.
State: 8:31
